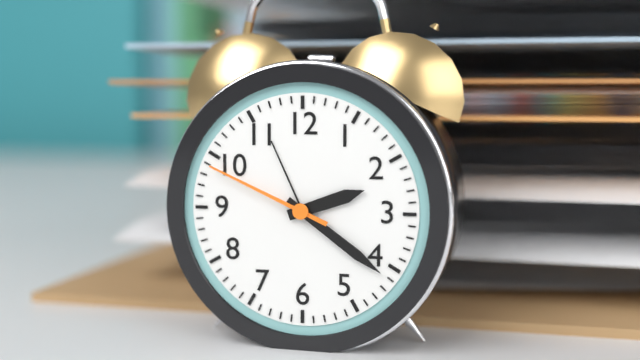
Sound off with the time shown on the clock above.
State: 2:21:49
